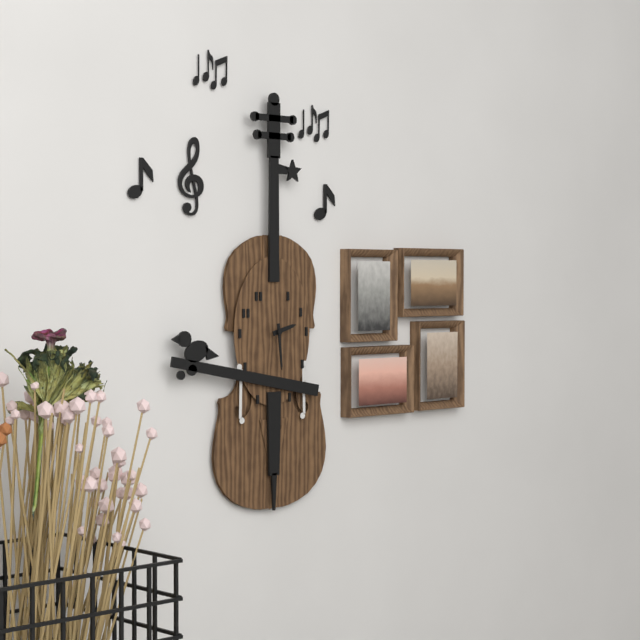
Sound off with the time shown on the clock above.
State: 2:29
